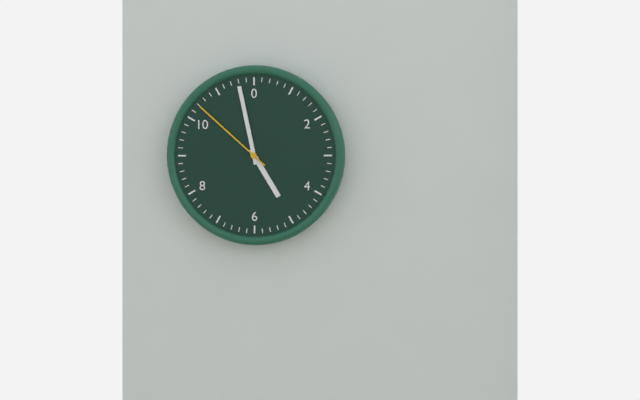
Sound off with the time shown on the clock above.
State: 4:58:52
